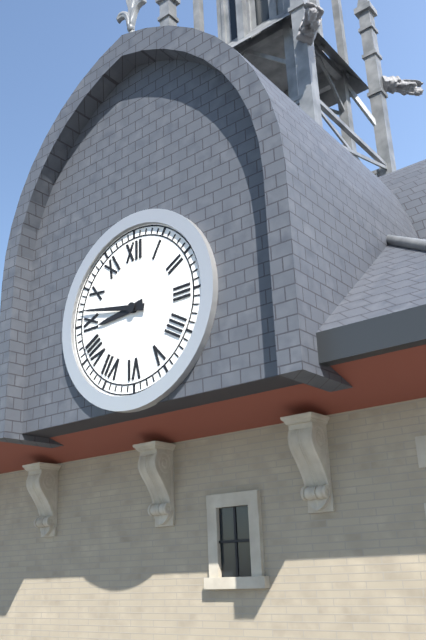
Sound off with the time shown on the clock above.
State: 8:47
